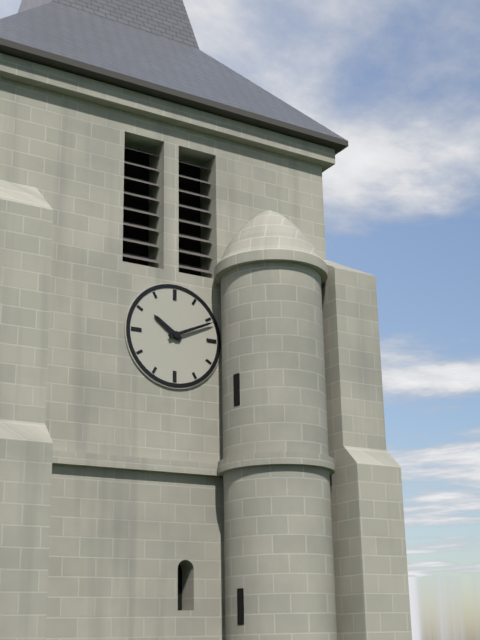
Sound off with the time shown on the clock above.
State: 10:11
